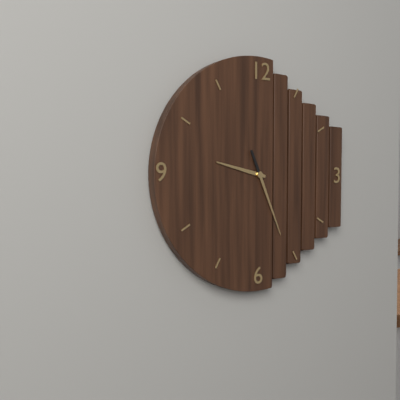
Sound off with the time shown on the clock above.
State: 9:26
